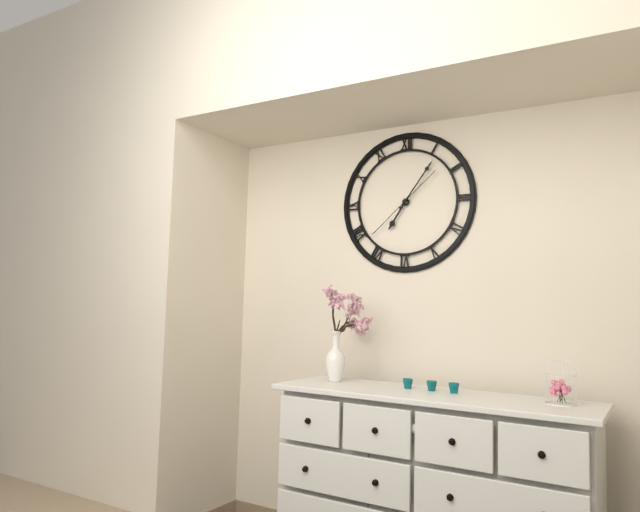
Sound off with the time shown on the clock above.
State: 7:06:38
